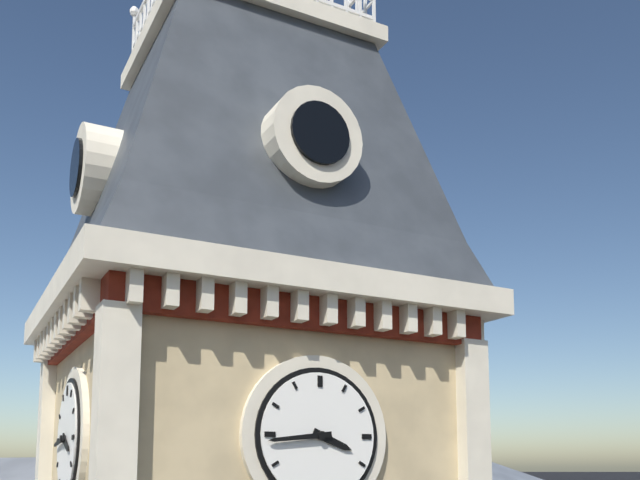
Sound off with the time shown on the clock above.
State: 3:44
